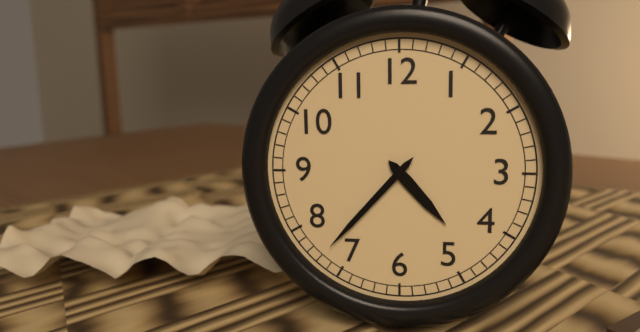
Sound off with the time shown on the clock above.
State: 4:37
